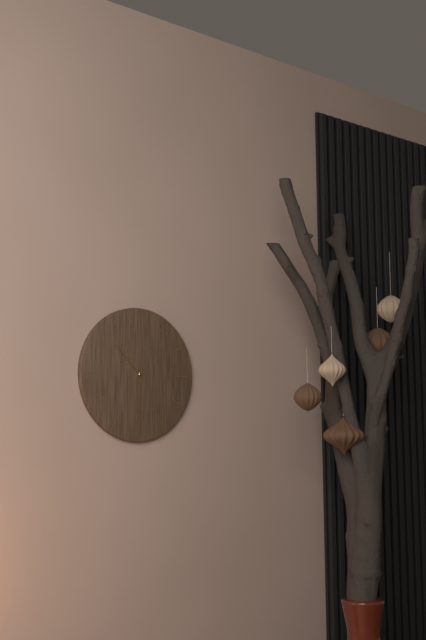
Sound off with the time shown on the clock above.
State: 10:30
